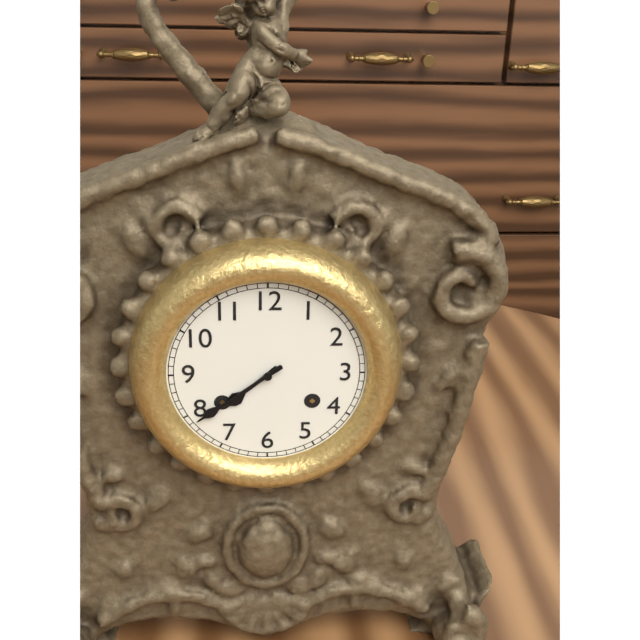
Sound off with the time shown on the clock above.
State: 7:39
